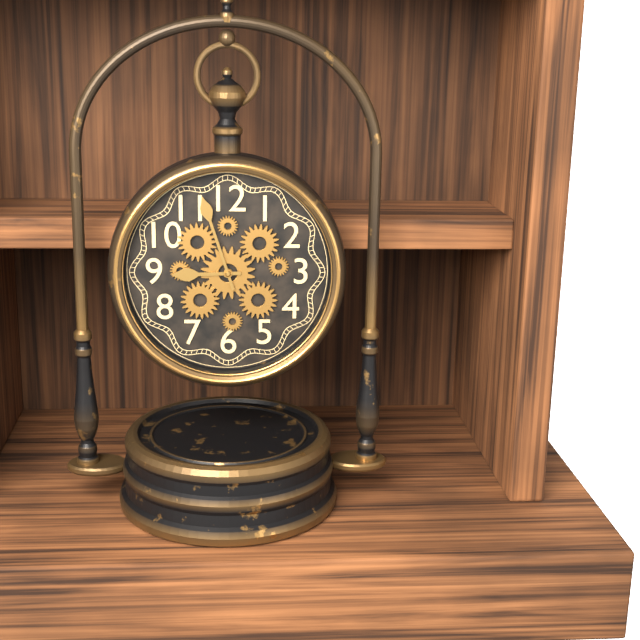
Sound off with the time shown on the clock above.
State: 8:57
